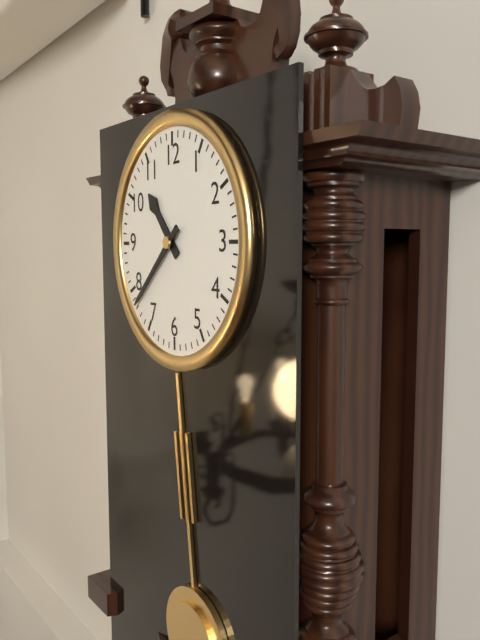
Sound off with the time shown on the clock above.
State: 10:38
